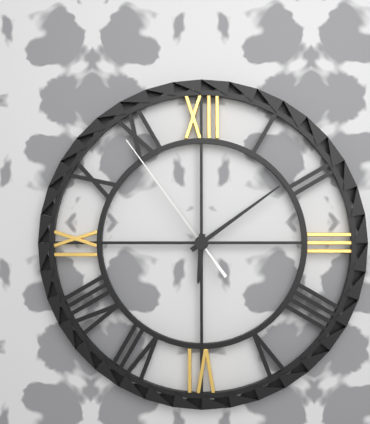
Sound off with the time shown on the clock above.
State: 6:09:54
